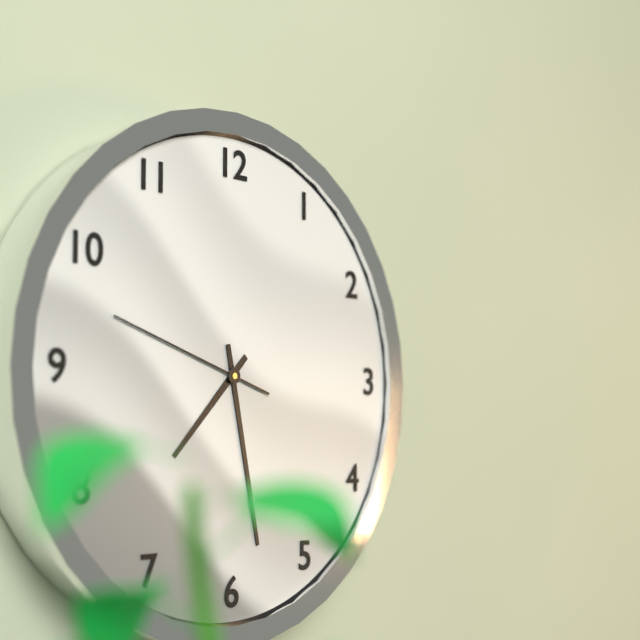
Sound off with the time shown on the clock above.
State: 7:28:48
